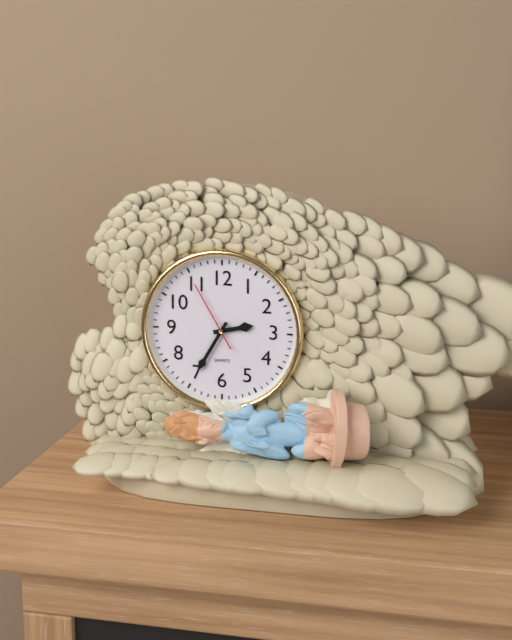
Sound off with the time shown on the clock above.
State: 2:35:55
